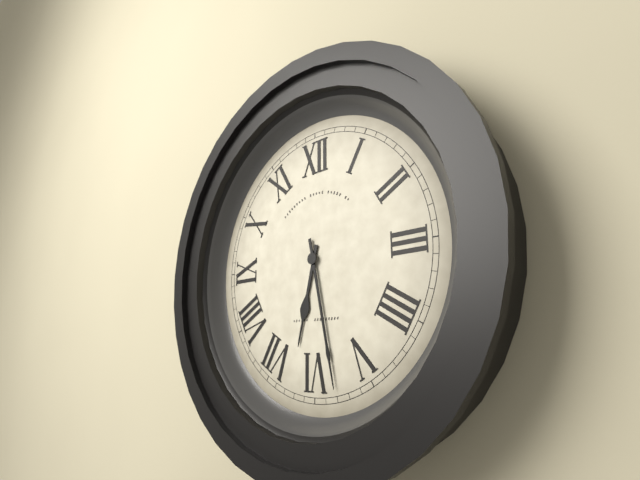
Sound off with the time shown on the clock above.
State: 6:28
